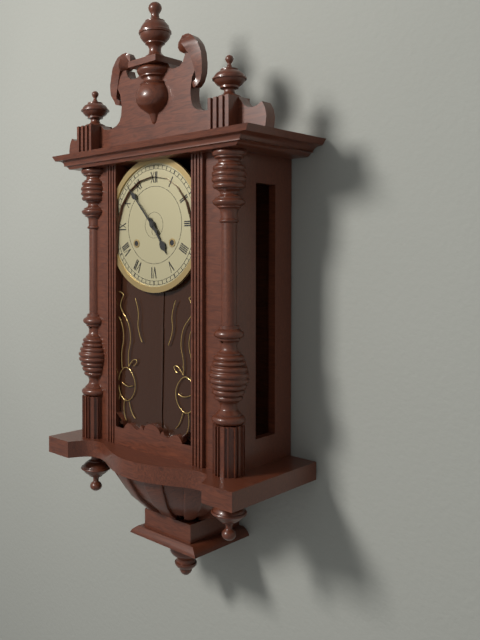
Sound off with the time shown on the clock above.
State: 4:53
